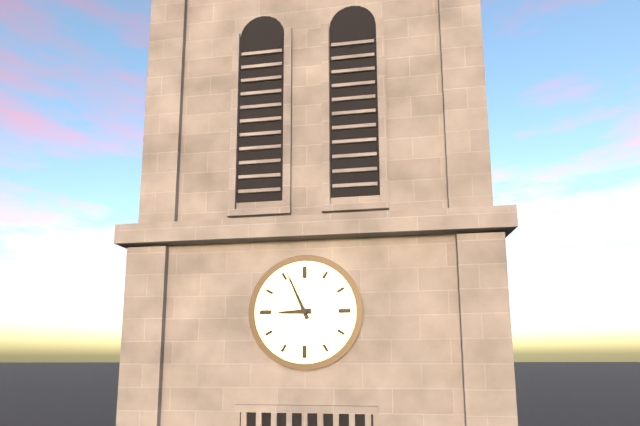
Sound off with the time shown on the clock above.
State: 8:56
